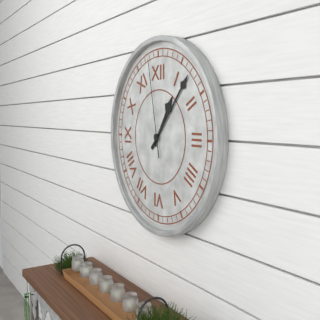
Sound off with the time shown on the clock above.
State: 1:07:58
